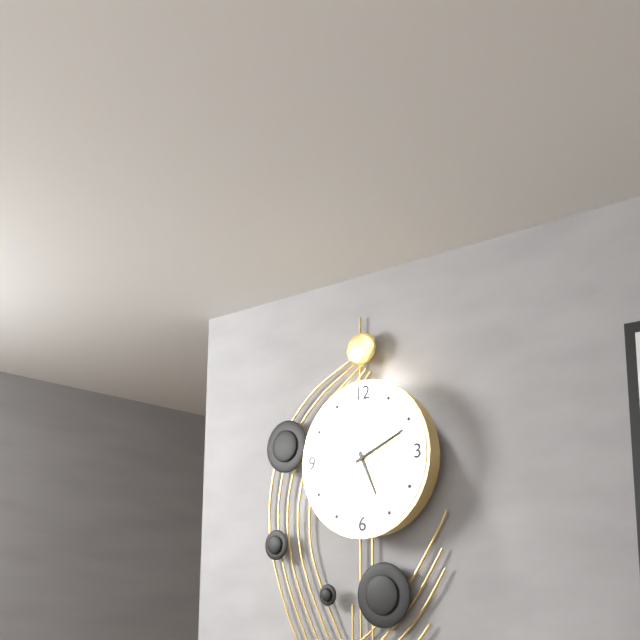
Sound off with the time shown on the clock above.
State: 5:11:41
